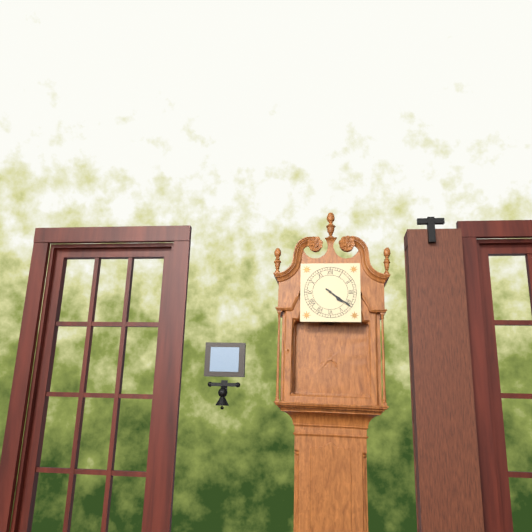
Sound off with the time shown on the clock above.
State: 4:21
